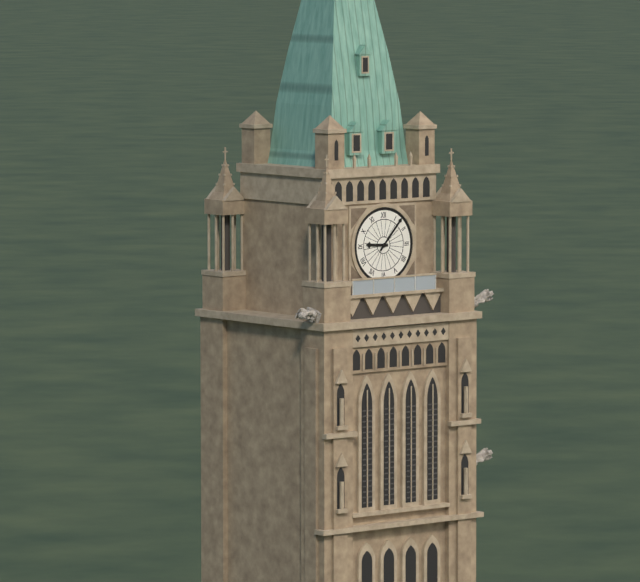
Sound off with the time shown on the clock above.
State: 9:07
